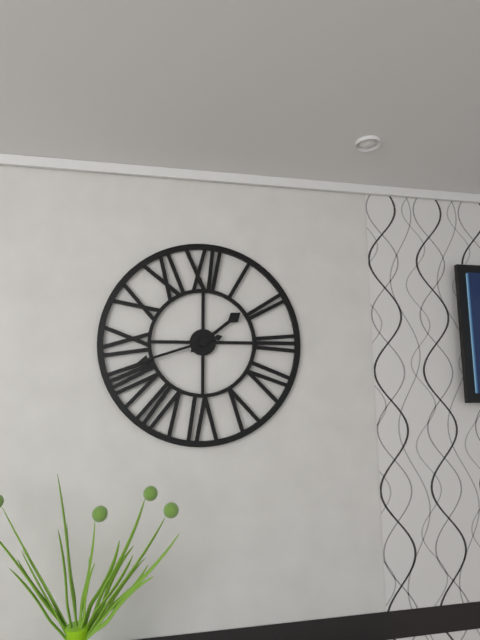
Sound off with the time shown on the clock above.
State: 1:42
